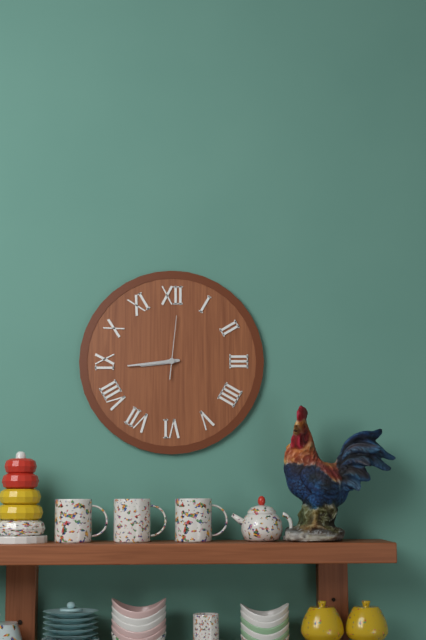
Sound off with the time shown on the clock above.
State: 8:44:01
